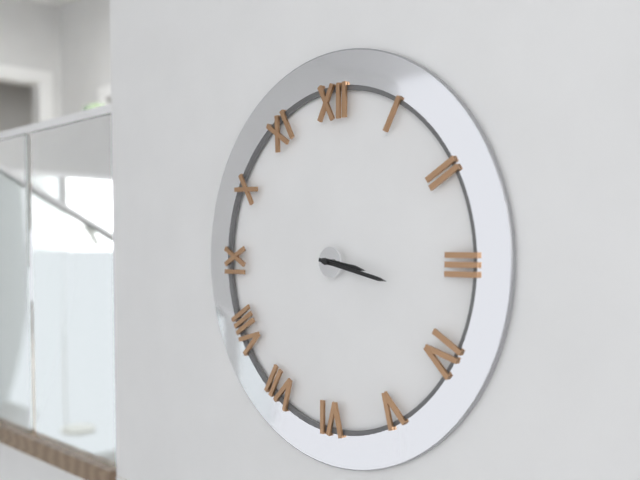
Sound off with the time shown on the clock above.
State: 3:17
